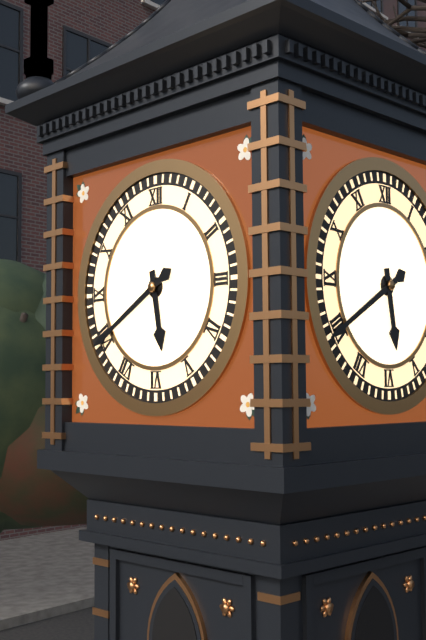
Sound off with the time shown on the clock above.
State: 5:40
